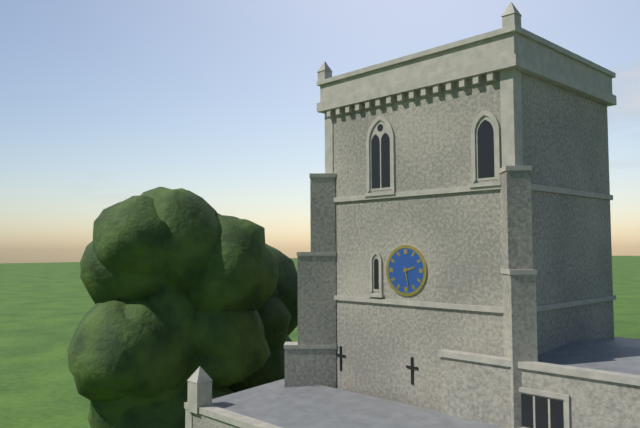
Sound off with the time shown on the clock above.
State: 2:28
